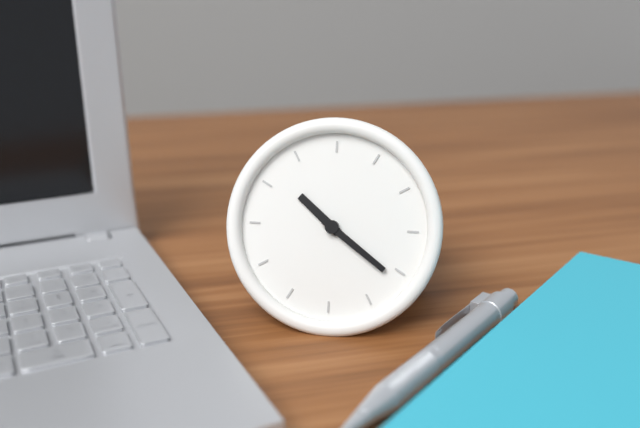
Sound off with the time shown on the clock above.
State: 10:21
